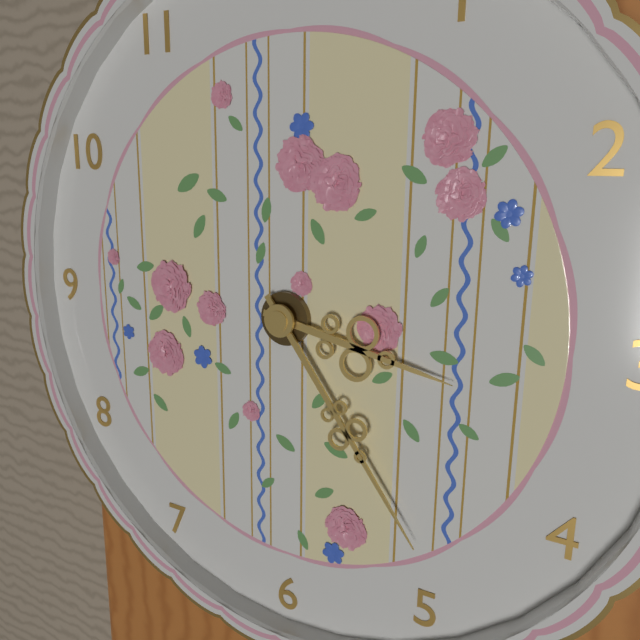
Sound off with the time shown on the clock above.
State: 3:24
